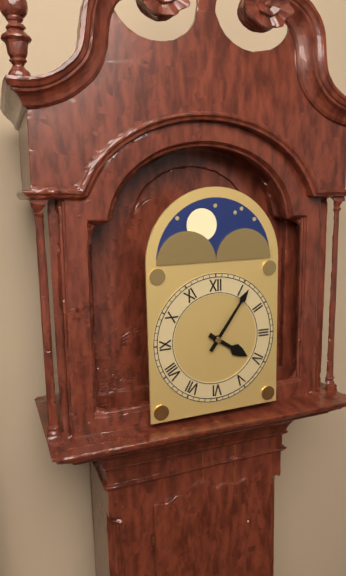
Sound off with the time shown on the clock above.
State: 4:06
